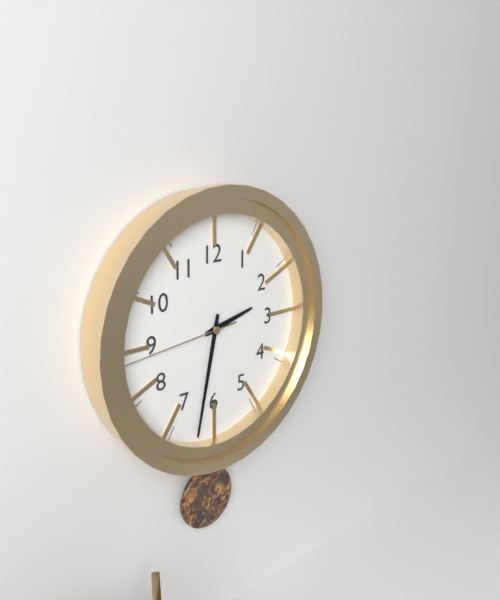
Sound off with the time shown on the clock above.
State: 2:32:44
